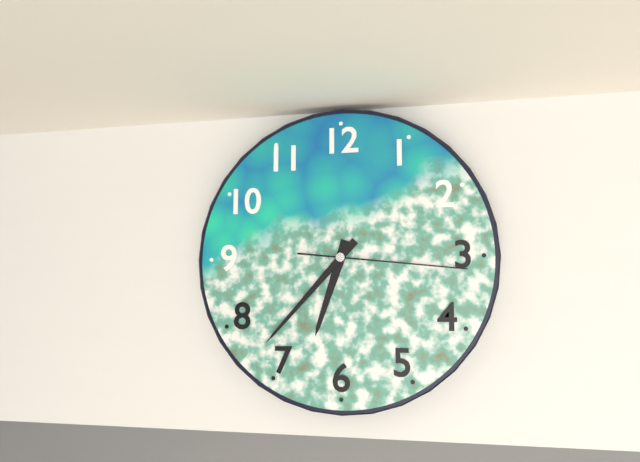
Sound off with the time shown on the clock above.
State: 6:37:16
